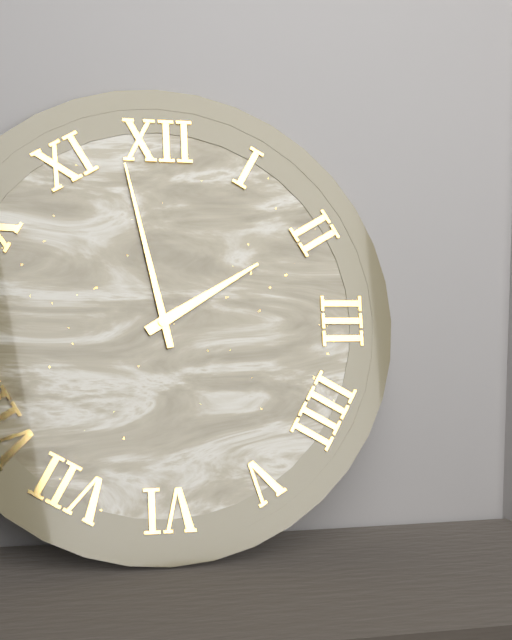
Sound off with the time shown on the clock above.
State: 1:58
